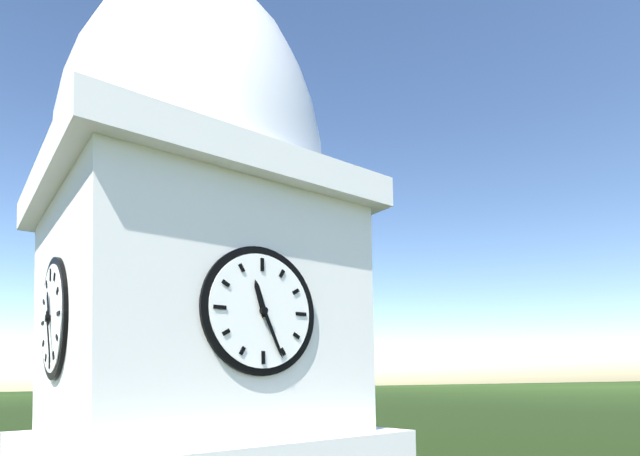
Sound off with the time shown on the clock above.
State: 11:26
